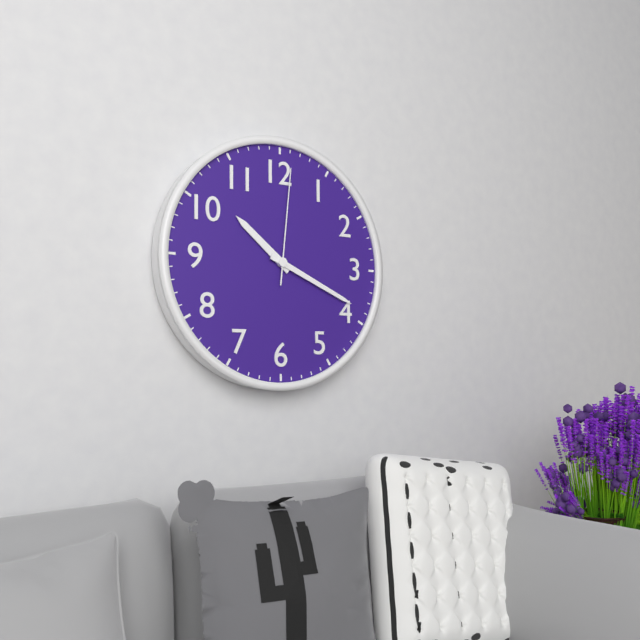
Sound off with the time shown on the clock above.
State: 10:19:01
